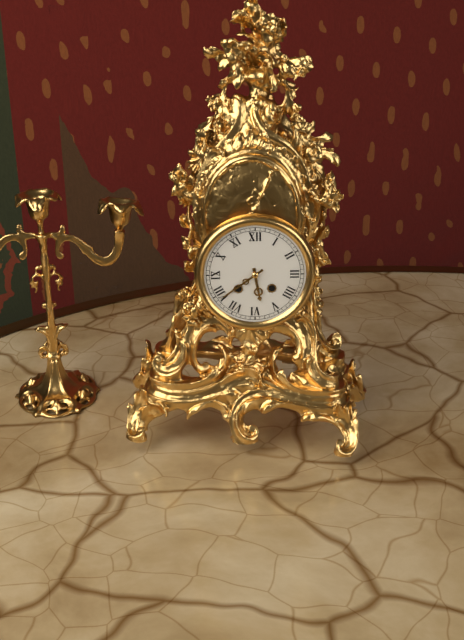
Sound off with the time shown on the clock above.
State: 5:39
